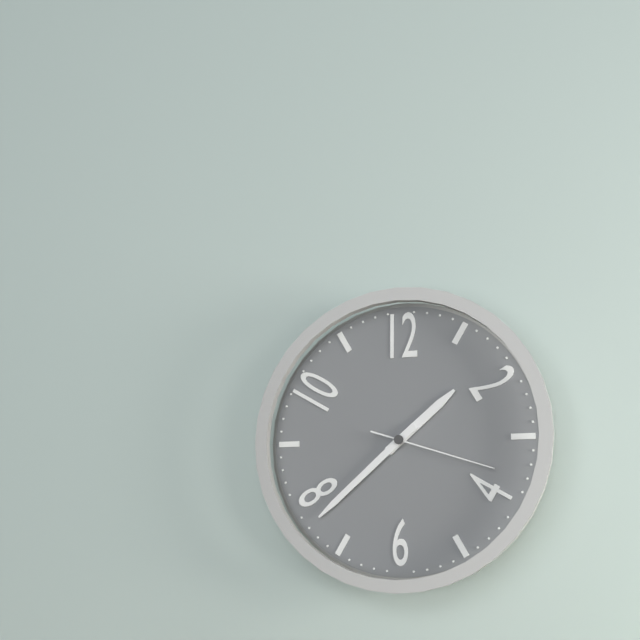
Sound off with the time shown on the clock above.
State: 1:38:18
